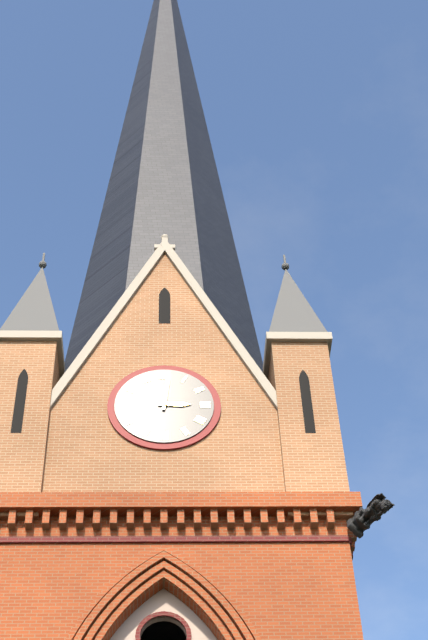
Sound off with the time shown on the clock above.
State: 3:01
